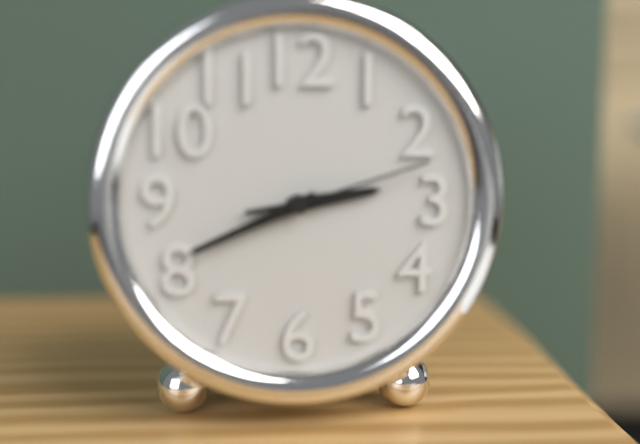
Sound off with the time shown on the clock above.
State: 2:41:12
